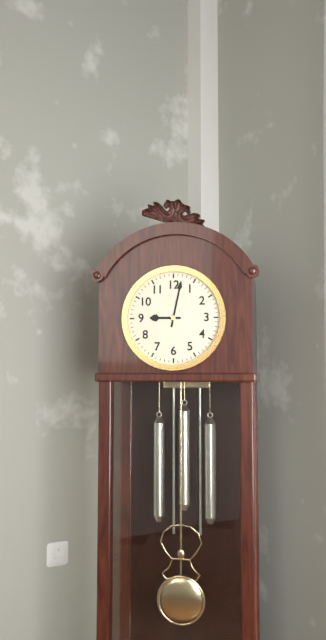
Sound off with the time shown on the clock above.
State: 9:02
